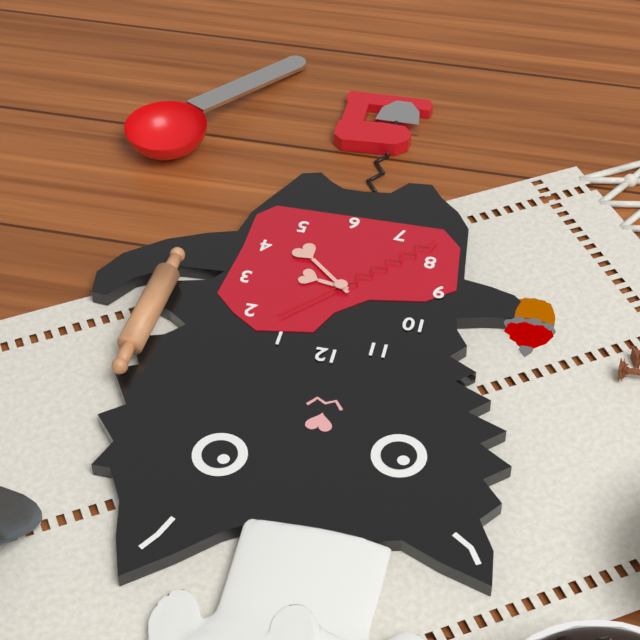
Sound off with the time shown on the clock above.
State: 3:22:37
